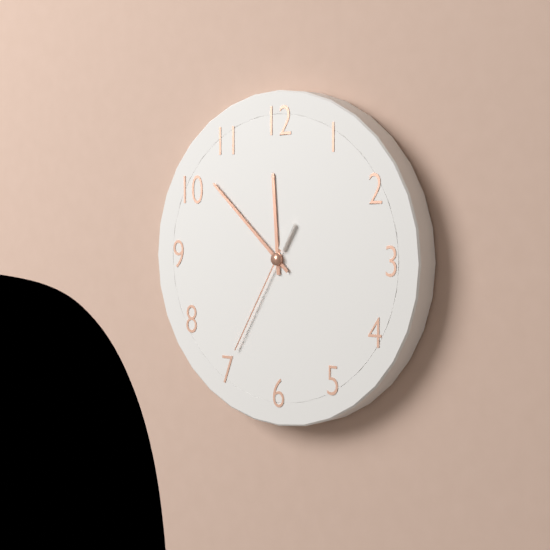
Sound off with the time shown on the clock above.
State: 11:52:35
